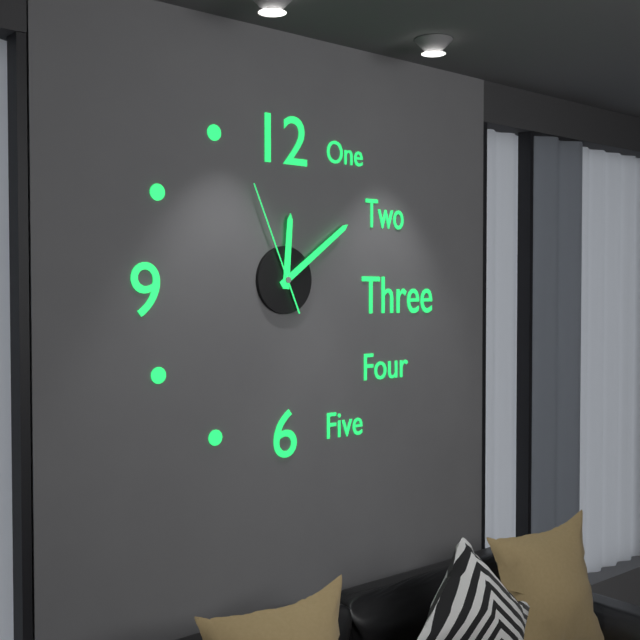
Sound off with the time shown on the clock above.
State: 12:09:56
